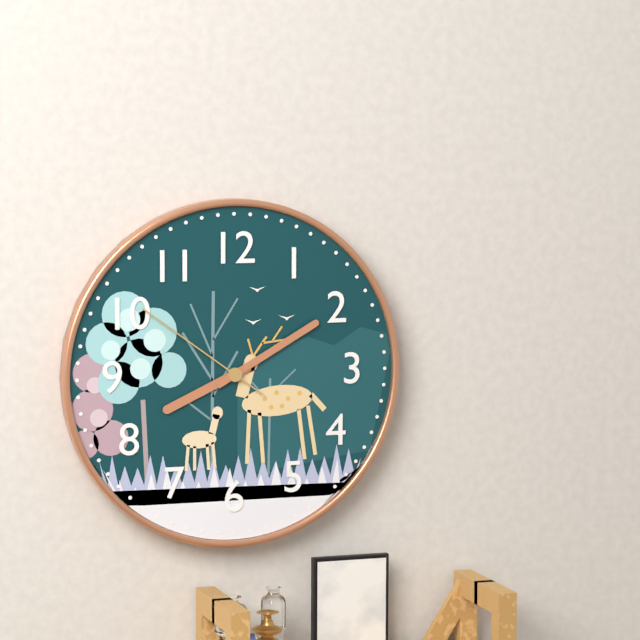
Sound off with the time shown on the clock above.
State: 8:10:51
